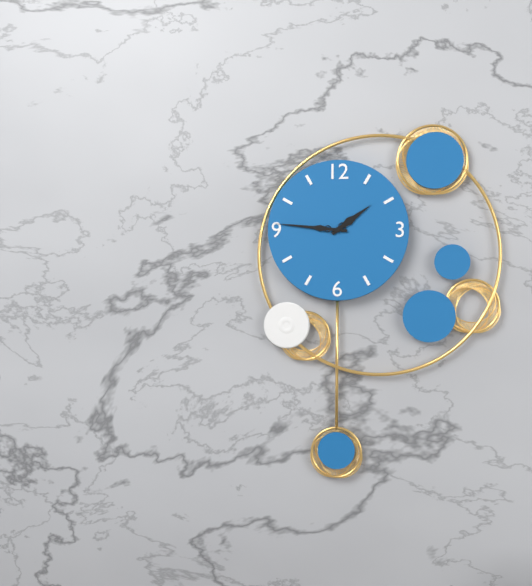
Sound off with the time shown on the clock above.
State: 1:46
